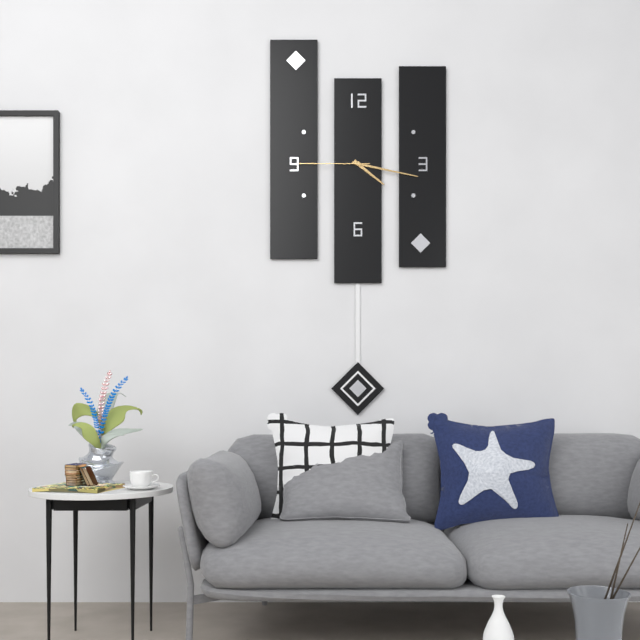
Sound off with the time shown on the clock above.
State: 4:17:45
